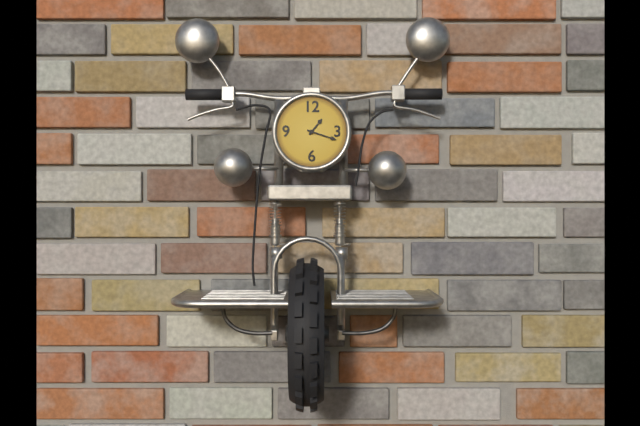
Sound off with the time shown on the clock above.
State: 1:18
